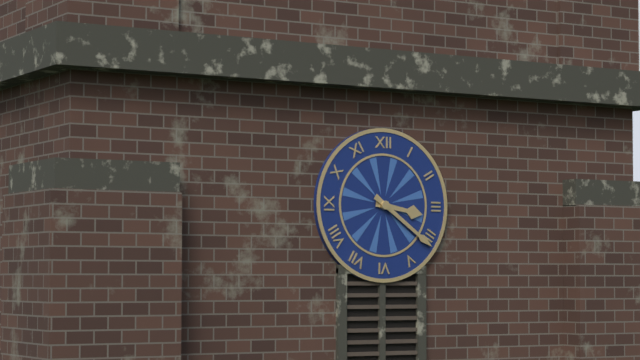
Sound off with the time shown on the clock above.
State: 3:21
